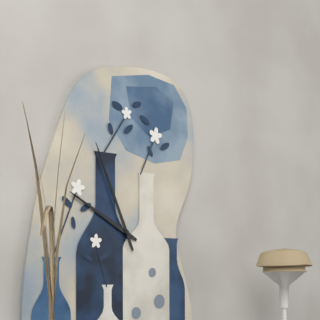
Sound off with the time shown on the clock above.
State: 9:56
